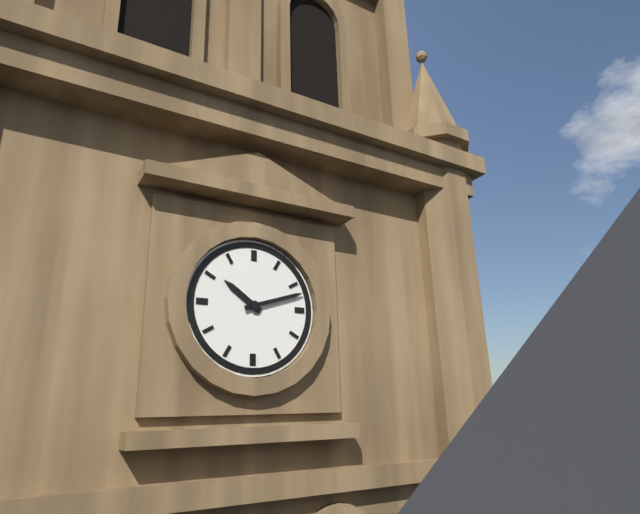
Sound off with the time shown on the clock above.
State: 10:12
